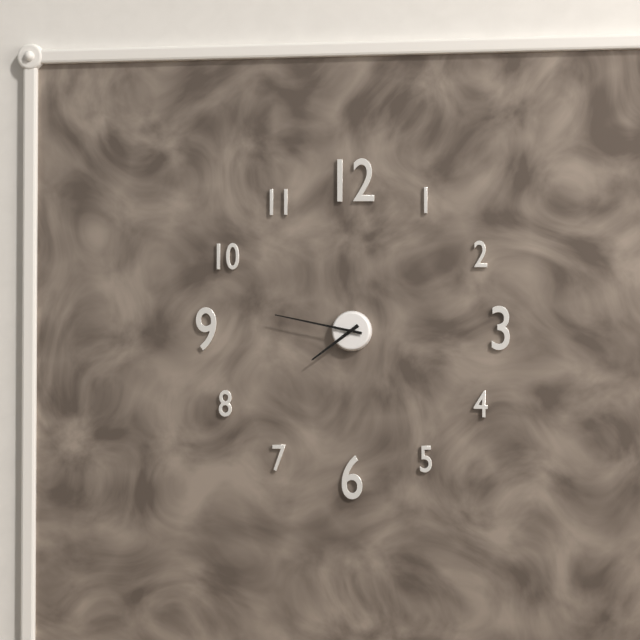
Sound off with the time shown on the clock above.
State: 7:47
